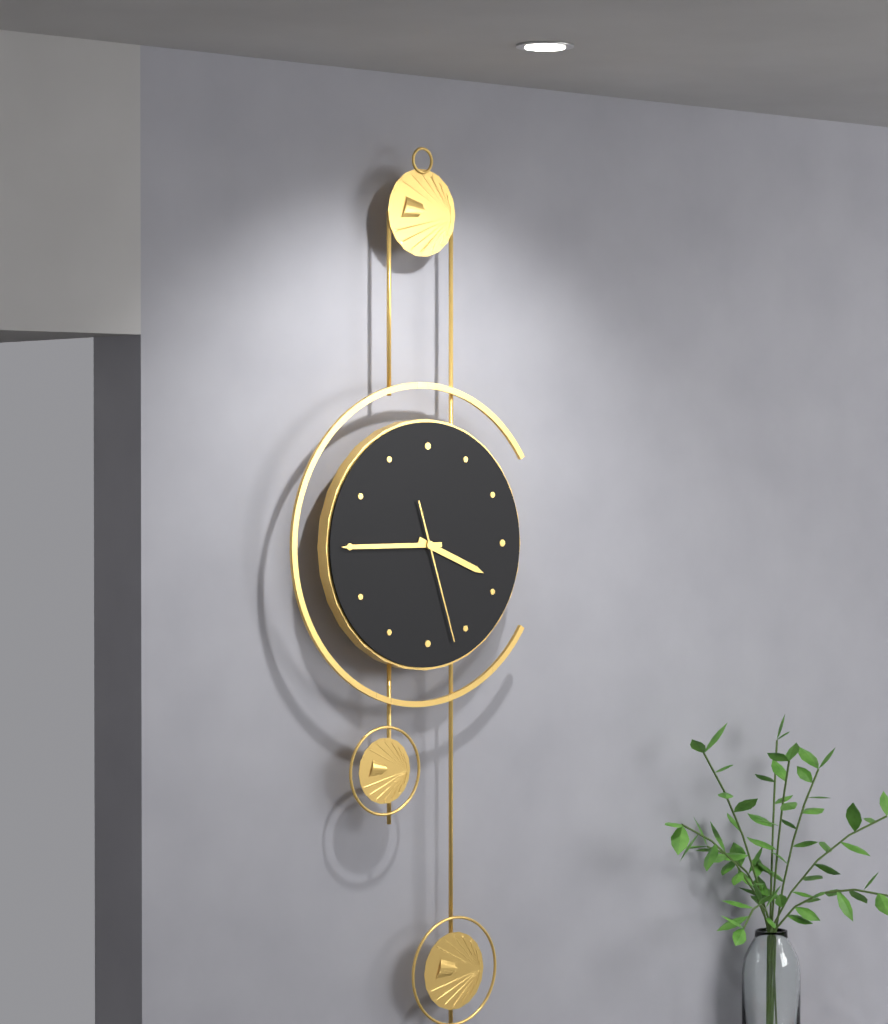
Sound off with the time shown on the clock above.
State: 3:45:27
